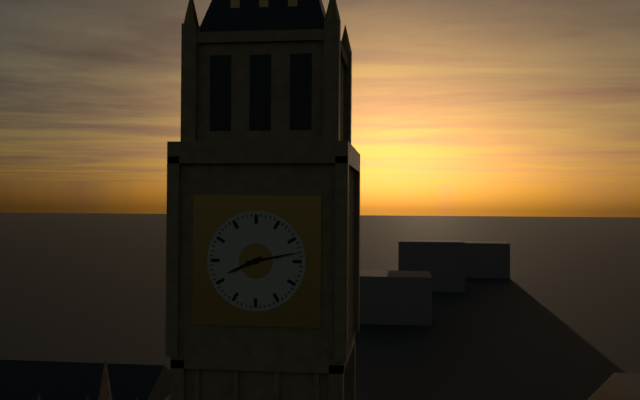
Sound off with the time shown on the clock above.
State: 8:13
